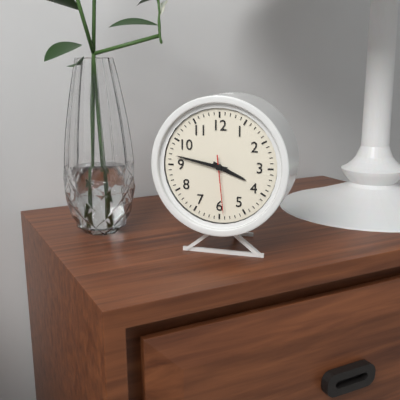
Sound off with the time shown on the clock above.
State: 3:47:29
